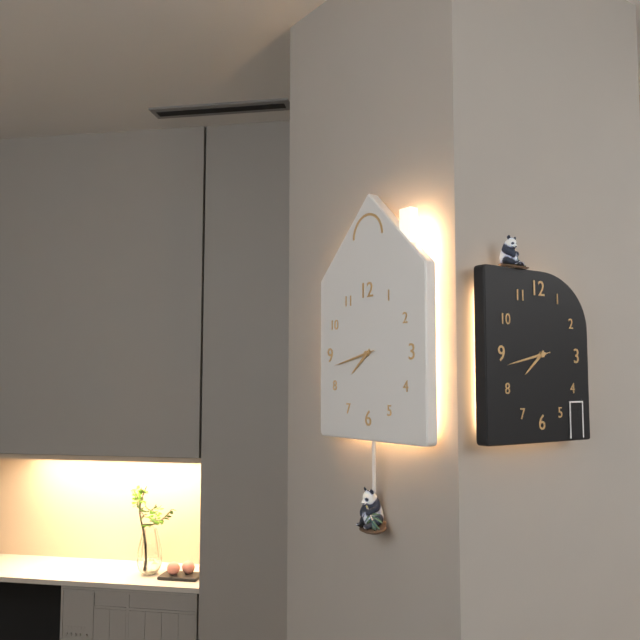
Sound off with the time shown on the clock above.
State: 7:43
